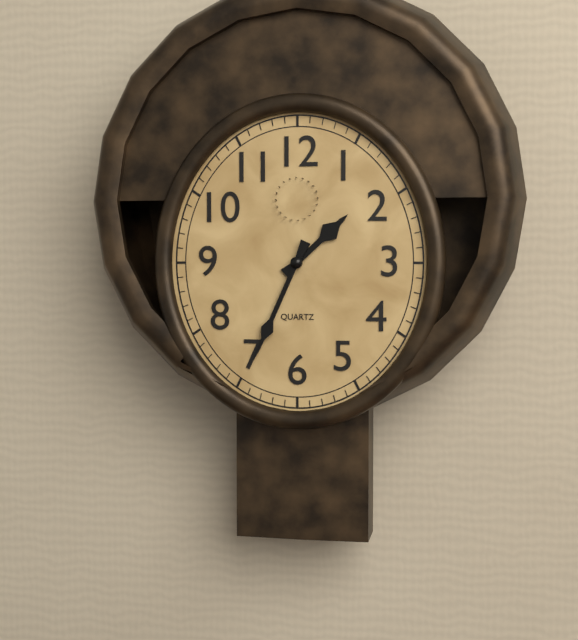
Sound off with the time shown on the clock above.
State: 1:34
